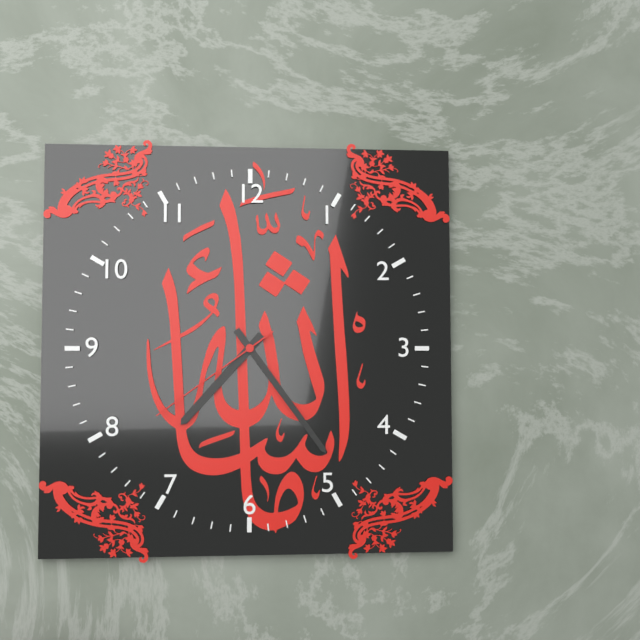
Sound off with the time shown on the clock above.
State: 7:24:39
